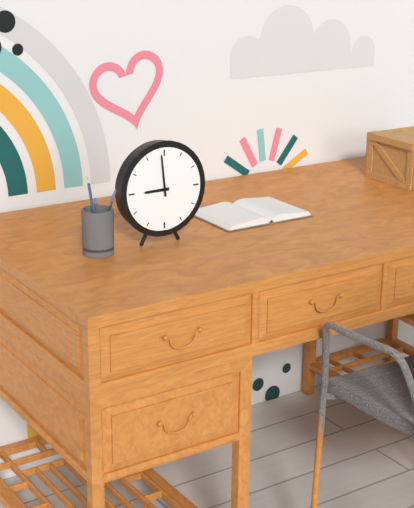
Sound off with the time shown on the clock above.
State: 8:59
